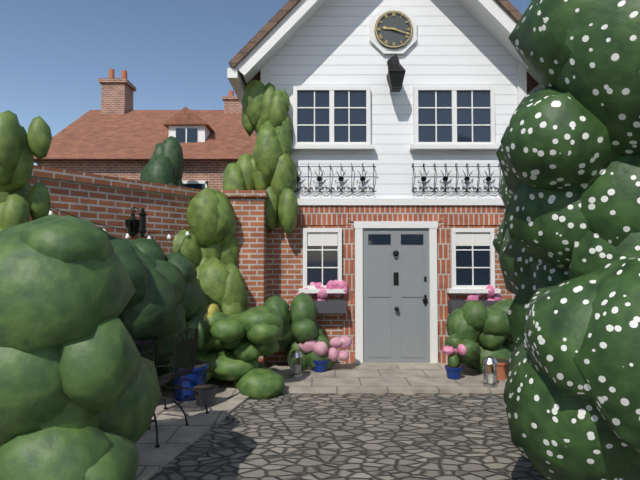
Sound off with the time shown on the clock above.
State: 9:18
